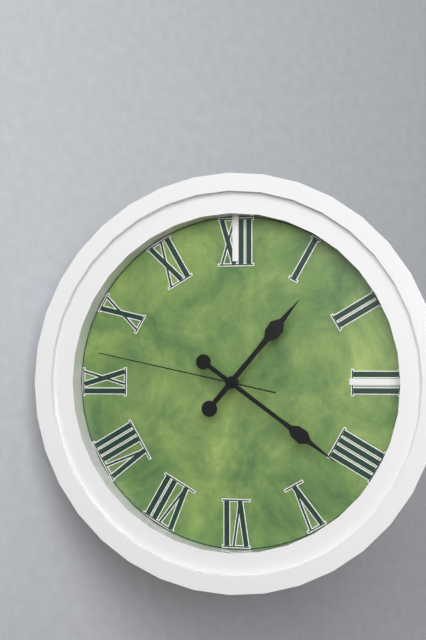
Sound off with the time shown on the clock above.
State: 1:21:47
